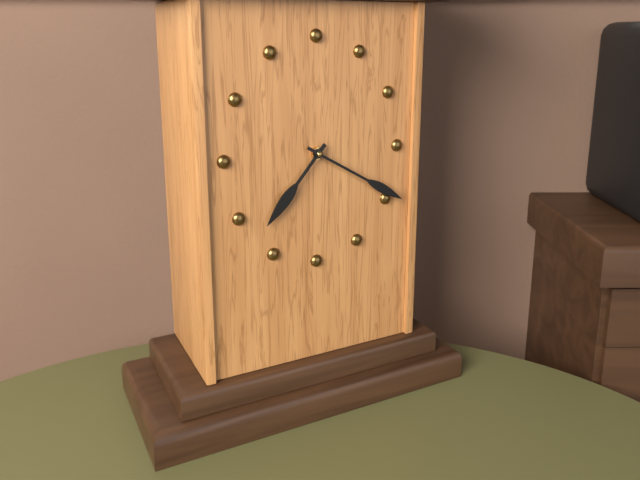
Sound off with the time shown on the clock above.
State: 7:20
